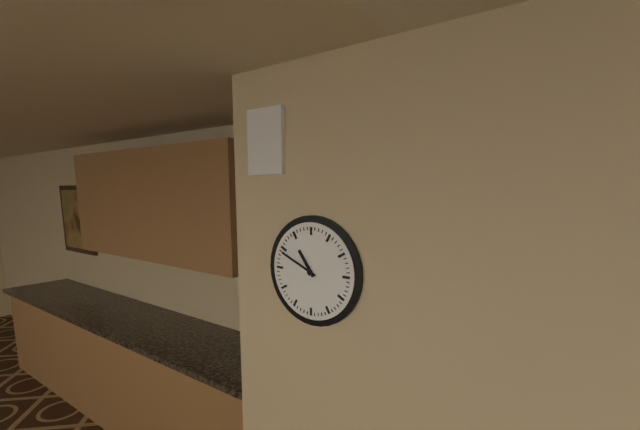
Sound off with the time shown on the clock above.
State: 10:49
